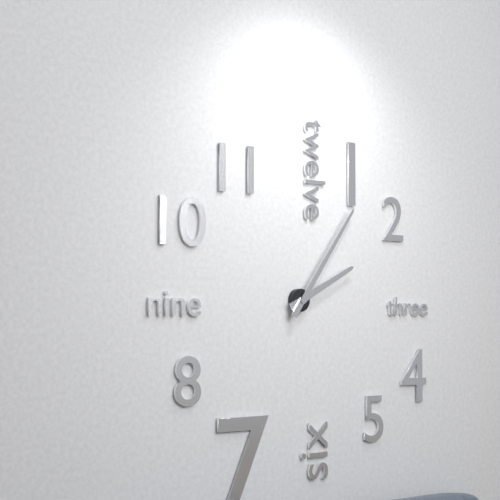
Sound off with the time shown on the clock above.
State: 2:06
